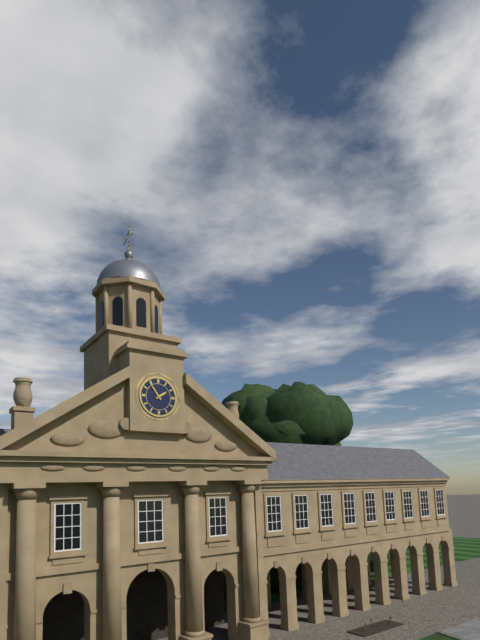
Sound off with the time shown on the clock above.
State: 1:54
